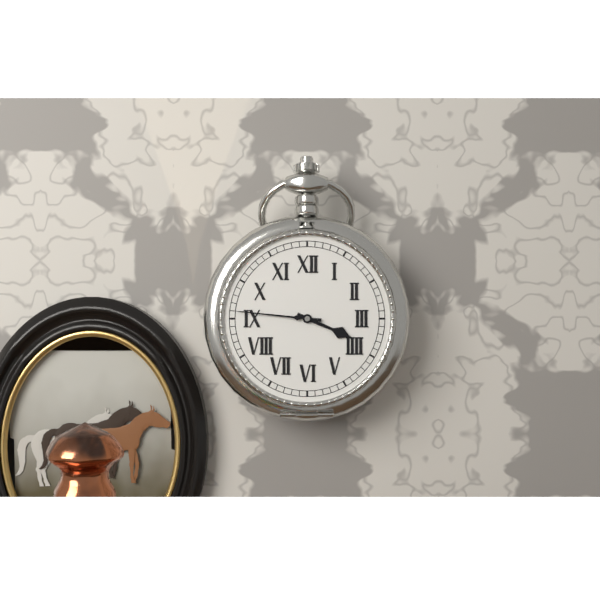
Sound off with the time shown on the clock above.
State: 3:46
